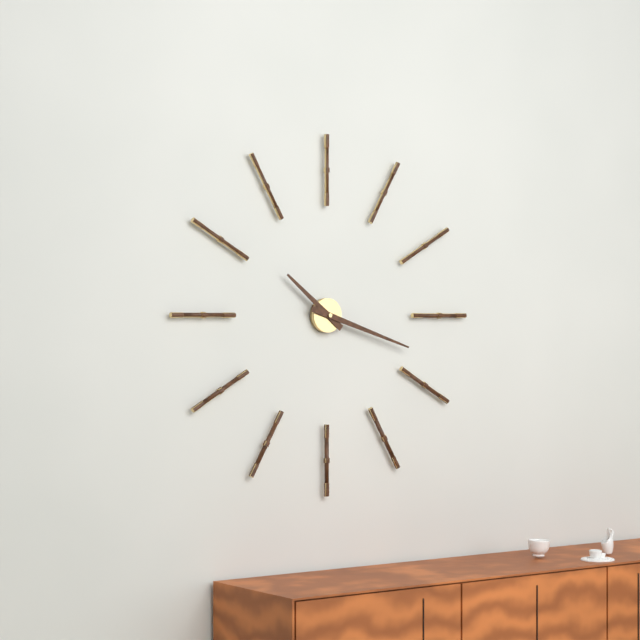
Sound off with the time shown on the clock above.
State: 10:18
